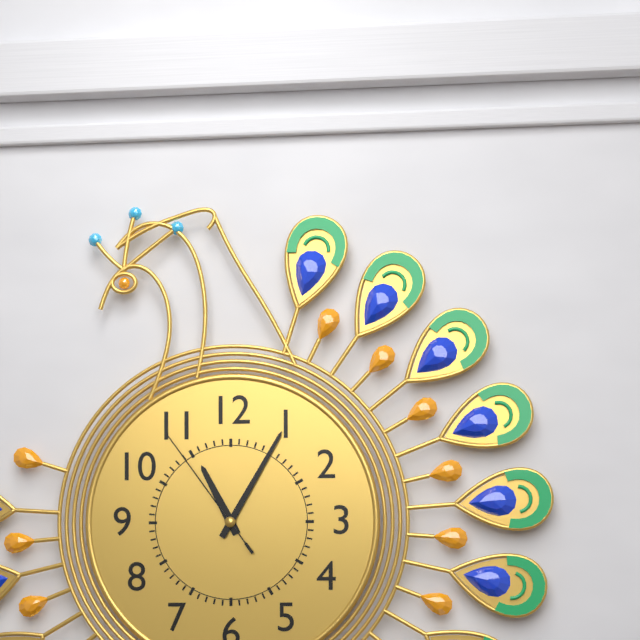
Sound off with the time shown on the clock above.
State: 11:05:54
